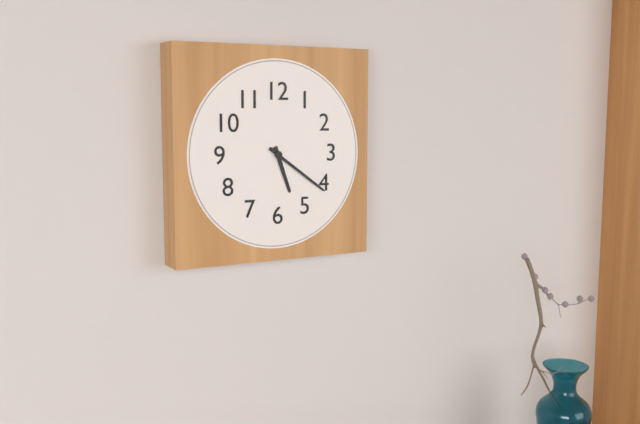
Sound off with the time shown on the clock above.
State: 5:21
